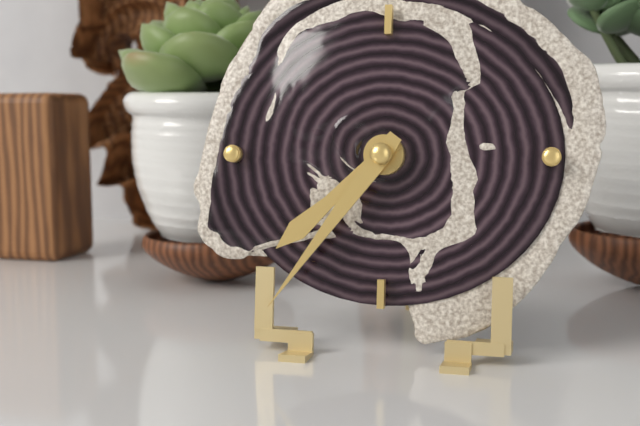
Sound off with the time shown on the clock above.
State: 7:36
